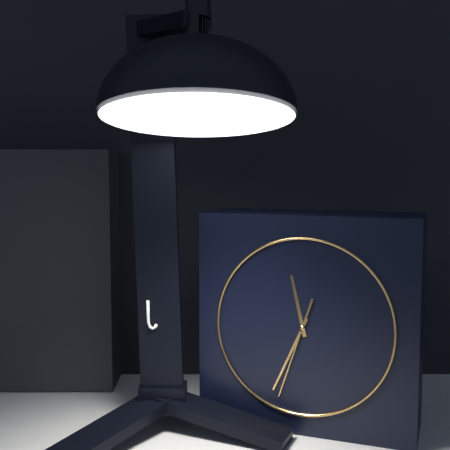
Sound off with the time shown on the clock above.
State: 11:34:33
